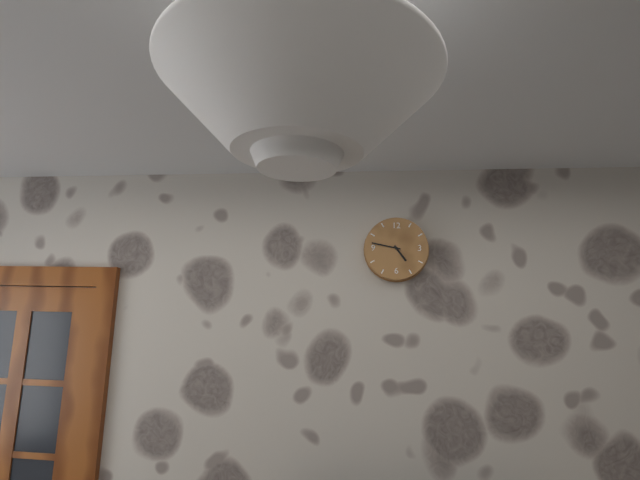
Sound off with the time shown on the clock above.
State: 4:47
